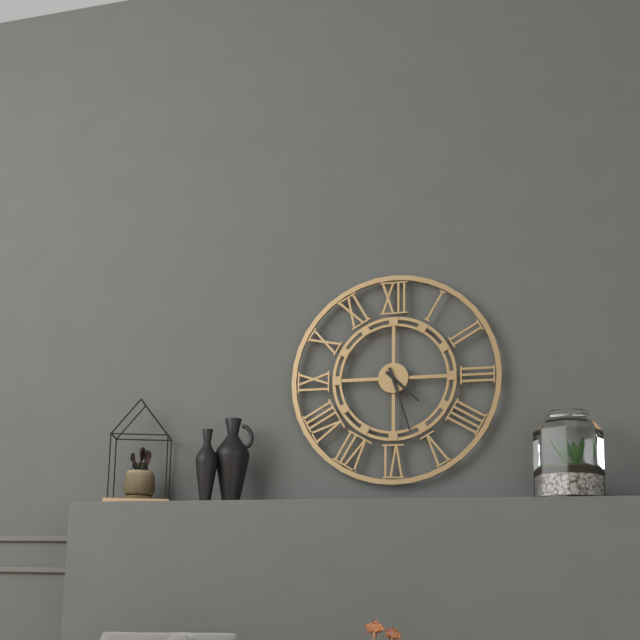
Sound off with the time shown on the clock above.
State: 4:27
